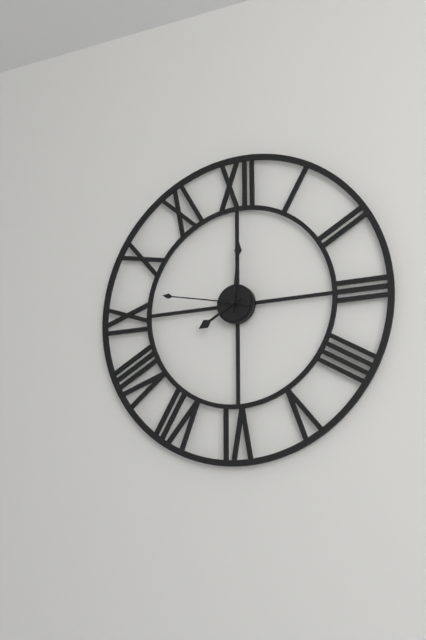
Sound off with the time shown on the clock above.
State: 8:01:47
